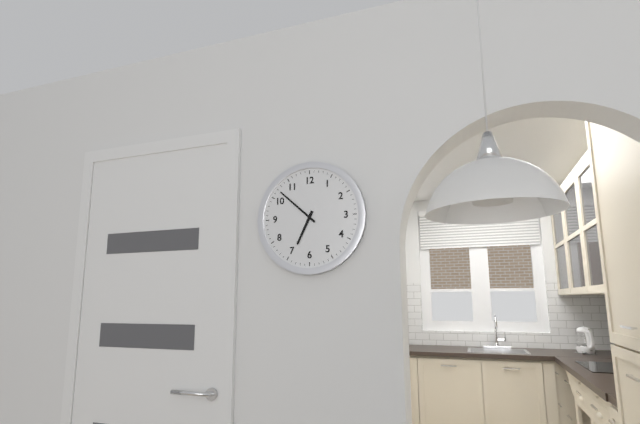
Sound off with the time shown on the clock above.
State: 6:52
